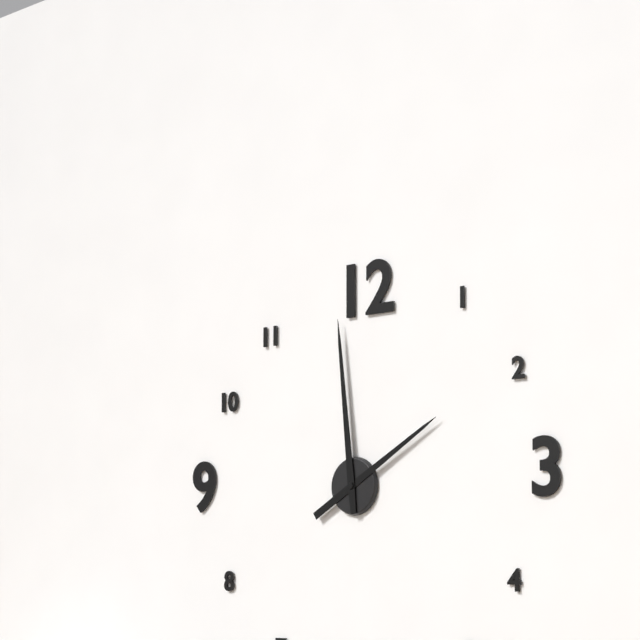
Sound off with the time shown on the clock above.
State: 1:59
